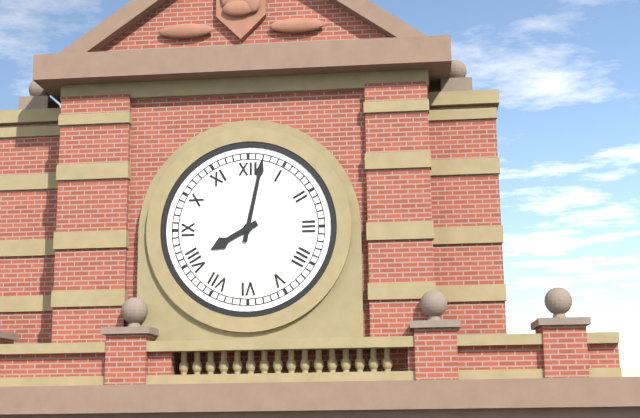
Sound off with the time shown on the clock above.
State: 8:02
